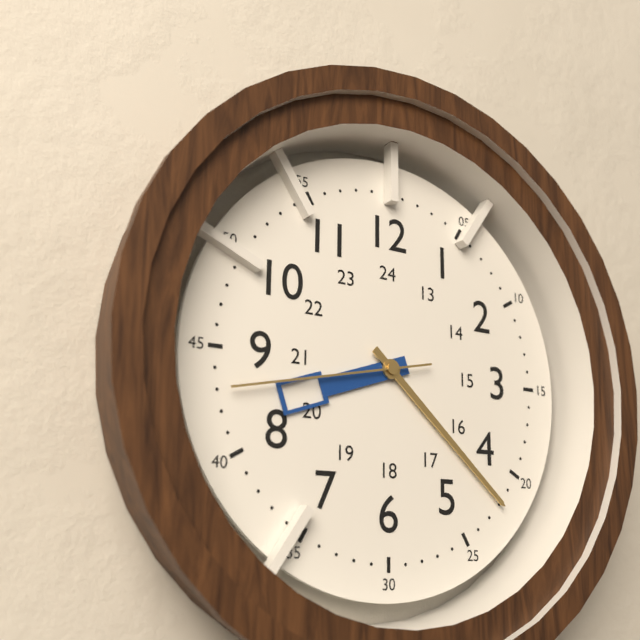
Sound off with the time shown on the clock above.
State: 8:22:43
